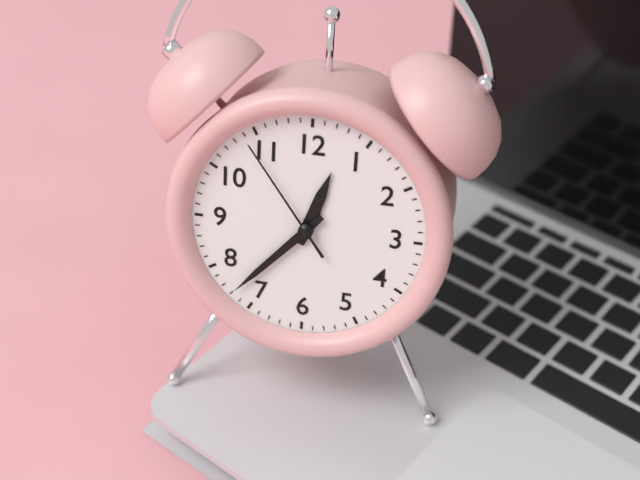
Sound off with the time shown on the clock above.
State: 12:37:54
